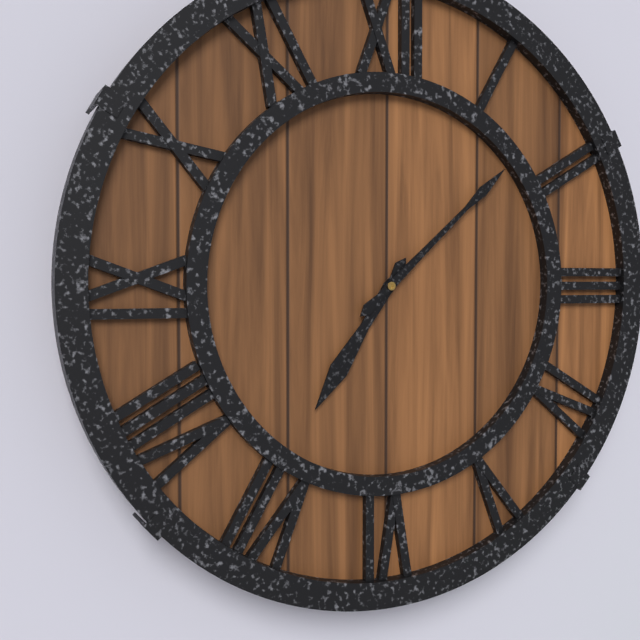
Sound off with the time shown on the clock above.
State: 7:08
